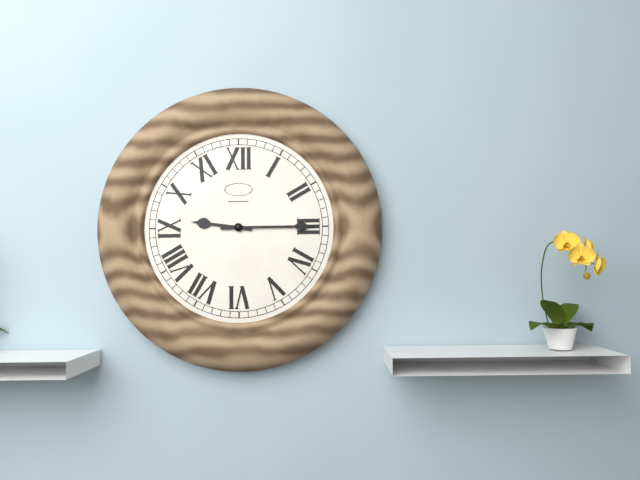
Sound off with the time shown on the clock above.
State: 9:15
